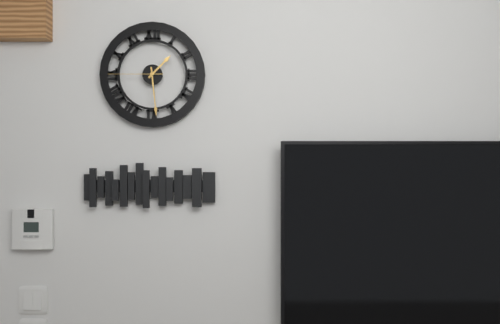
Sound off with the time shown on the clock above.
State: 1:29:45
